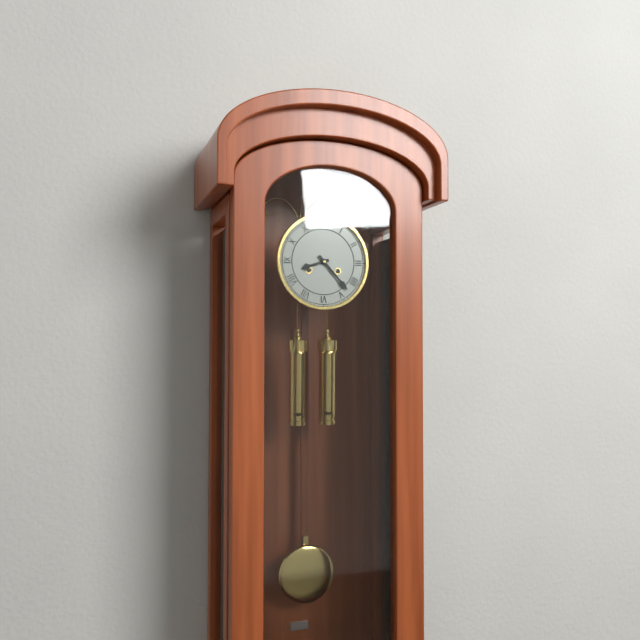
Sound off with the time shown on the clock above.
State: 8:23
